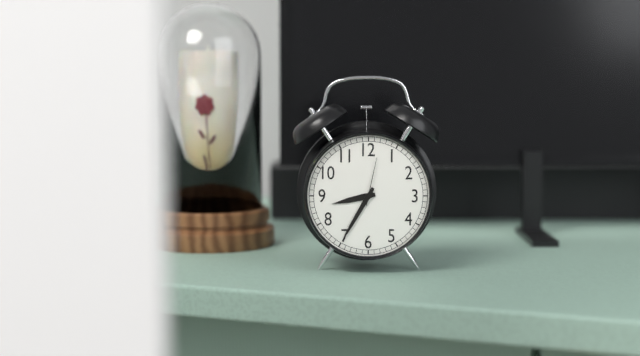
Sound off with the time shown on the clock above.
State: 8:35
